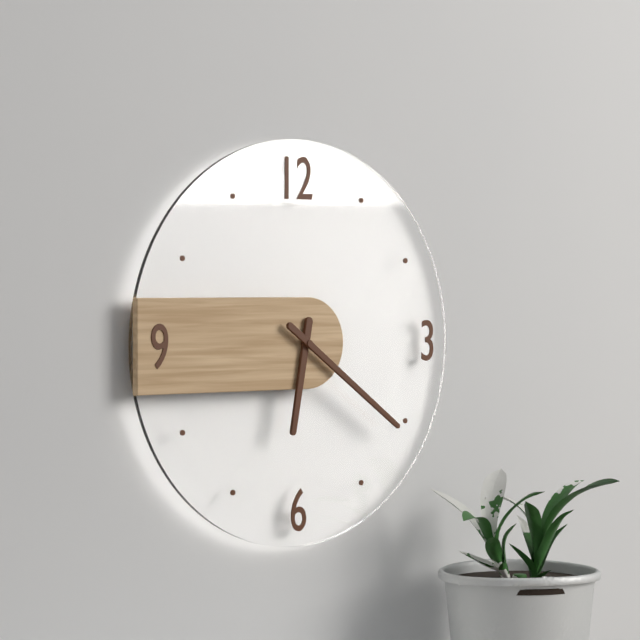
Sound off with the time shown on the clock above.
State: 6:21
